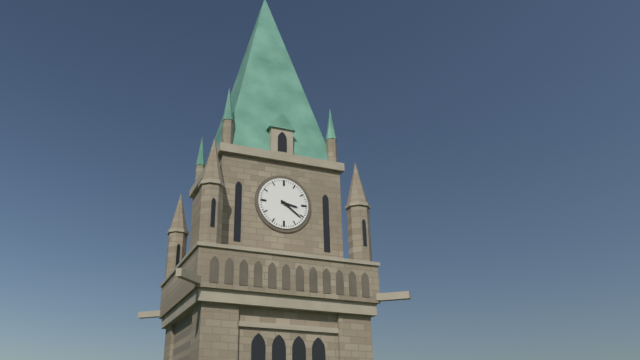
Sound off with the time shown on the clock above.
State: 3:21
